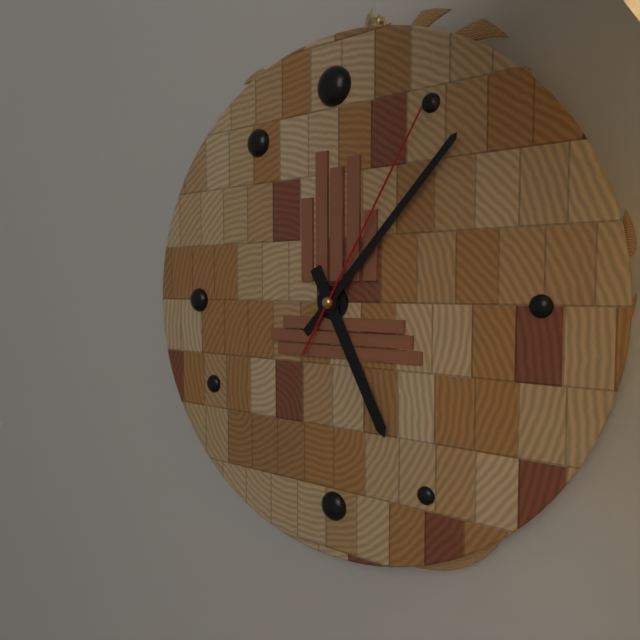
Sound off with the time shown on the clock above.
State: 5:07:05
